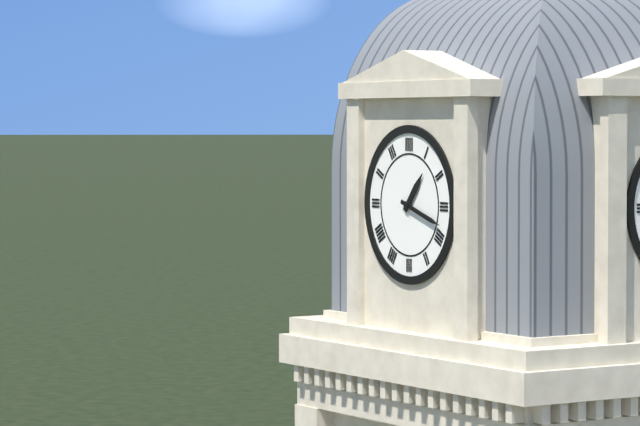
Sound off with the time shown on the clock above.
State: 1:18
